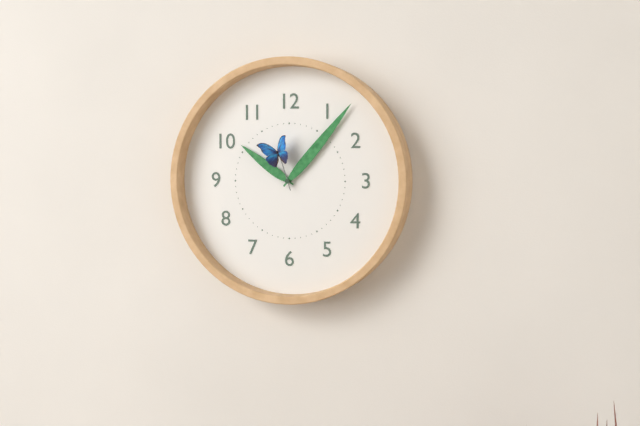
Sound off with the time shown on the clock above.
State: 10:07:57
